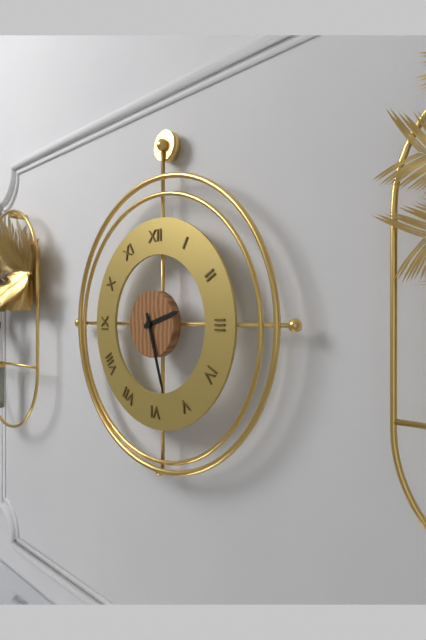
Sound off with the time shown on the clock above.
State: 2:27
